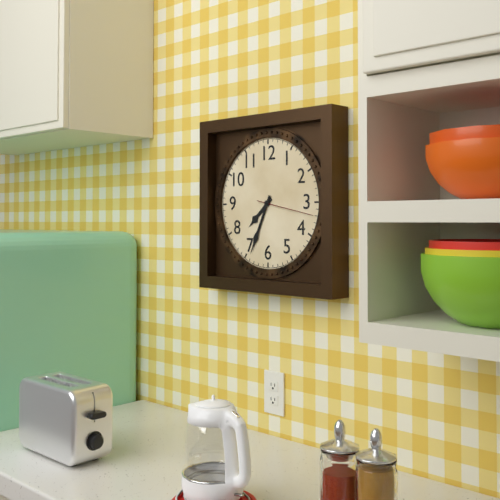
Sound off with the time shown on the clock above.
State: 7:34:17
